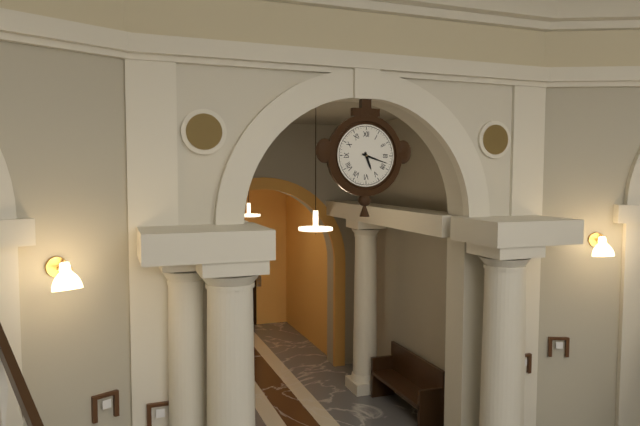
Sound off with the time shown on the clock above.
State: 5:18
